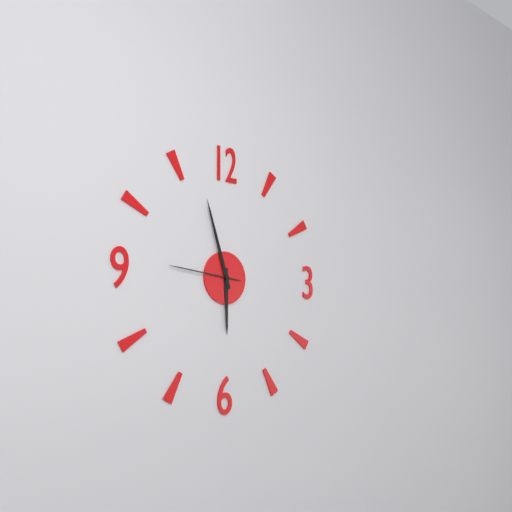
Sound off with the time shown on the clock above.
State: 5:57:46
